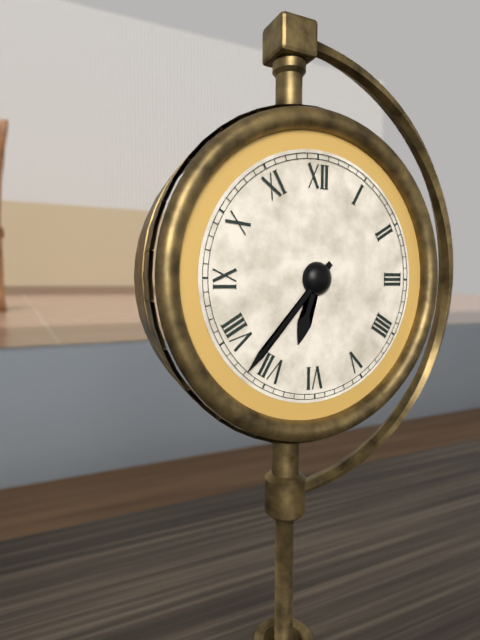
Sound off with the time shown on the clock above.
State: 6:37
